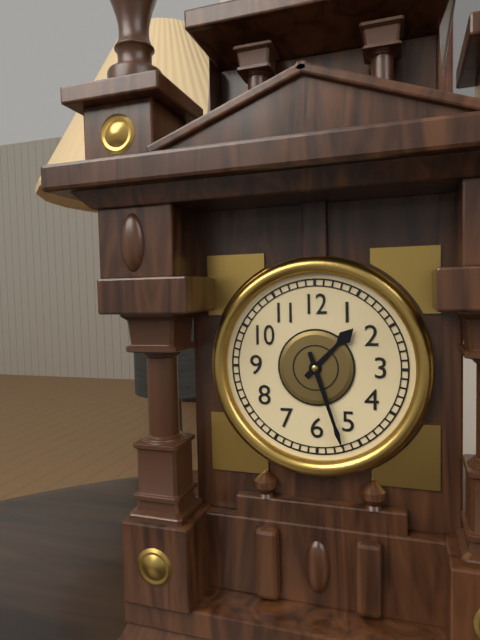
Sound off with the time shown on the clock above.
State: 1:27
